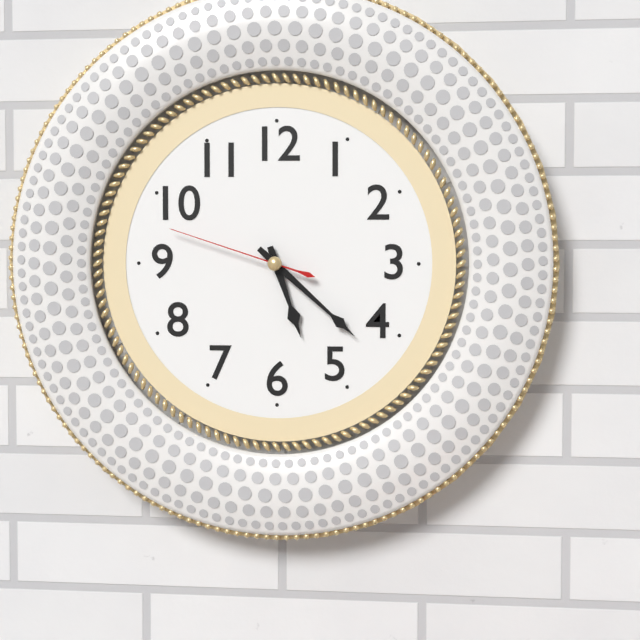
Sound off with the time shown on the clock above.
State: 5:22:48
